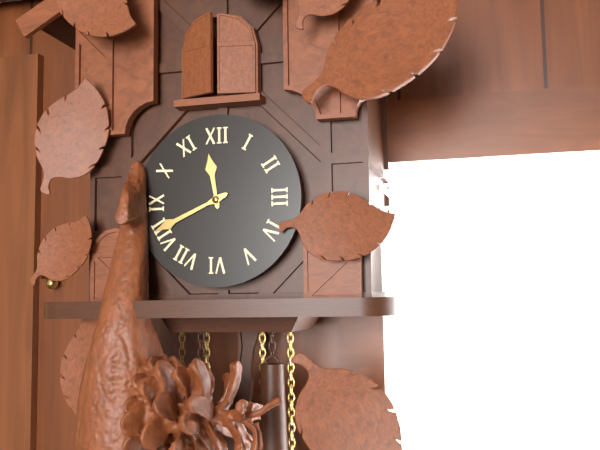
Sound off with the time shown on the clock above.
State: 11:41
